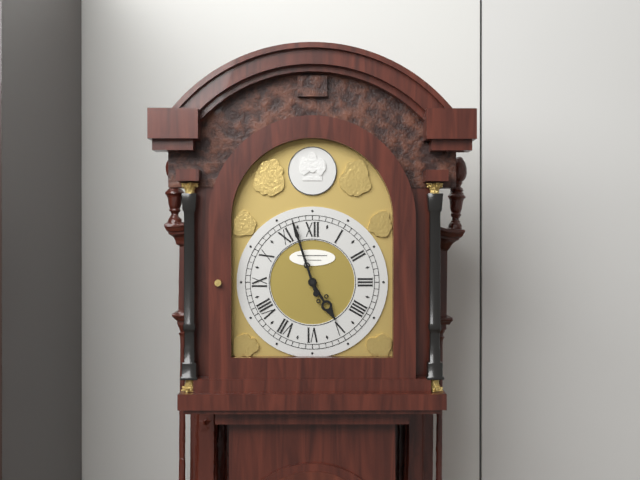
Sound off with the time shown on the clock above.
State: 4:57
